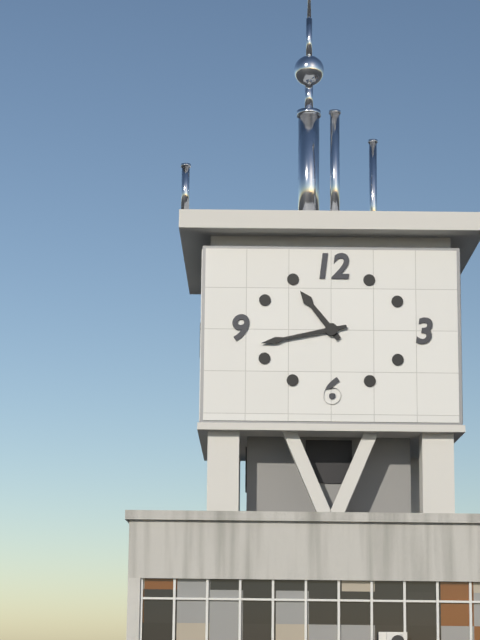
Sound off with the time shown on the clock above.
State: 10:43
